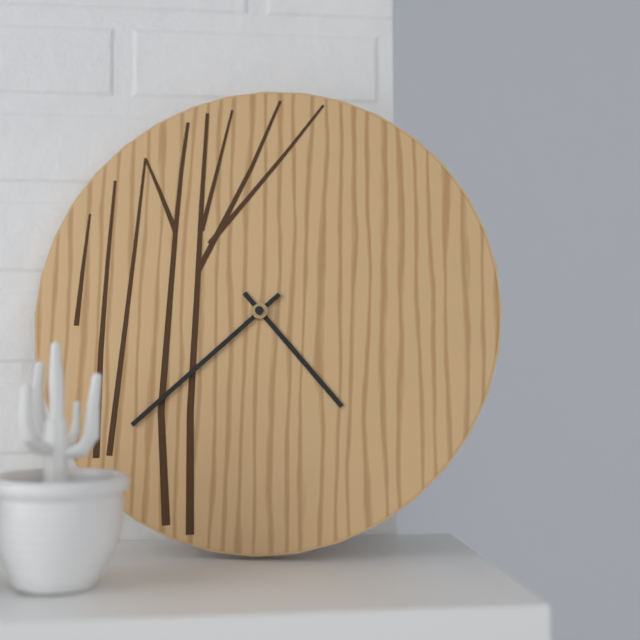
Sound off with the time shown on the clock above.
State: 4:38
